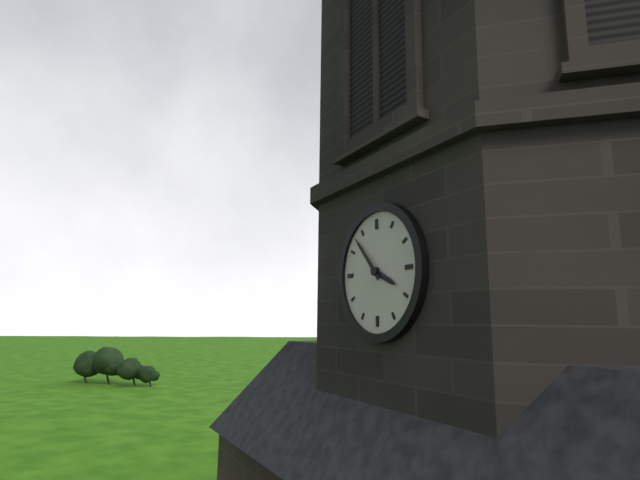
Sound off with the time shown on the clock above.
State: 3:53
